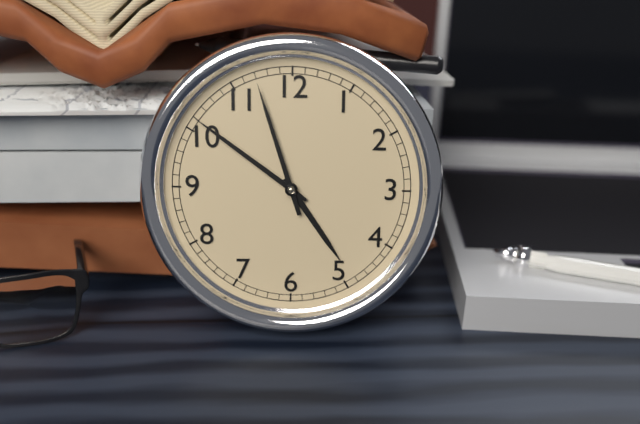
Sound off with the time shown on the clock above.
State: 4:51:57
